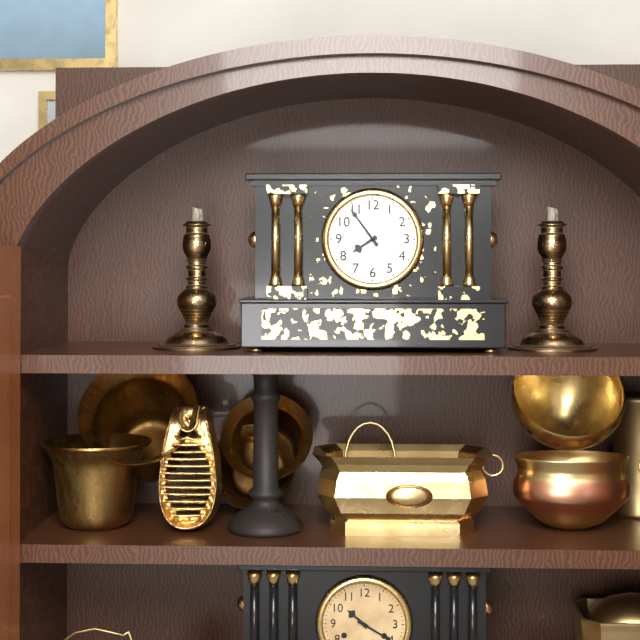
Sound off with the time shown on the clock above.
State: 7:54
